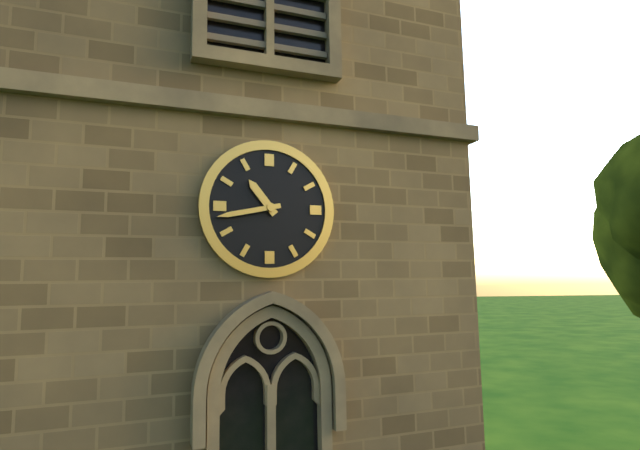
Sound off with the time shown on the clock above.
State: 10:43
